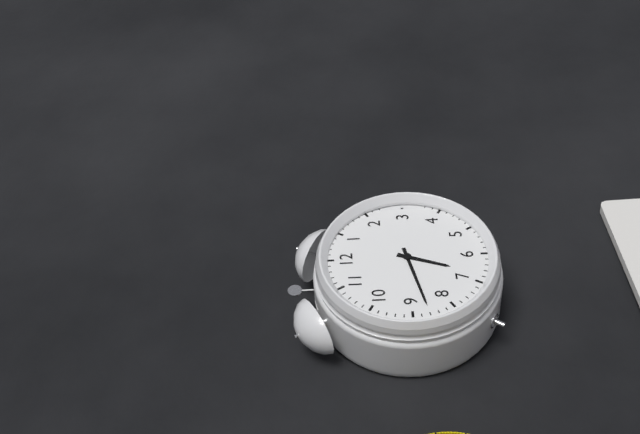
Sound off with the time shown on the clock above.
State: 6:43
